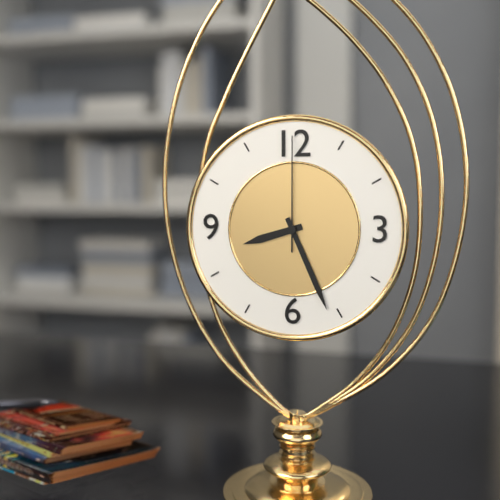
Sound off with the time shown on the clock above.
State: 8:26:00
